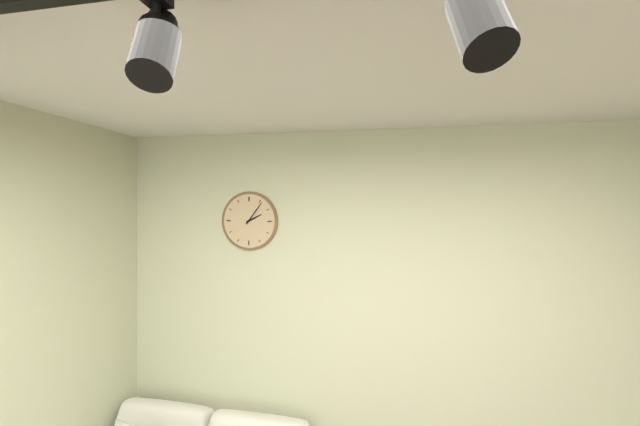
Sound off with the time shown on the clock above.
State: 2:06
